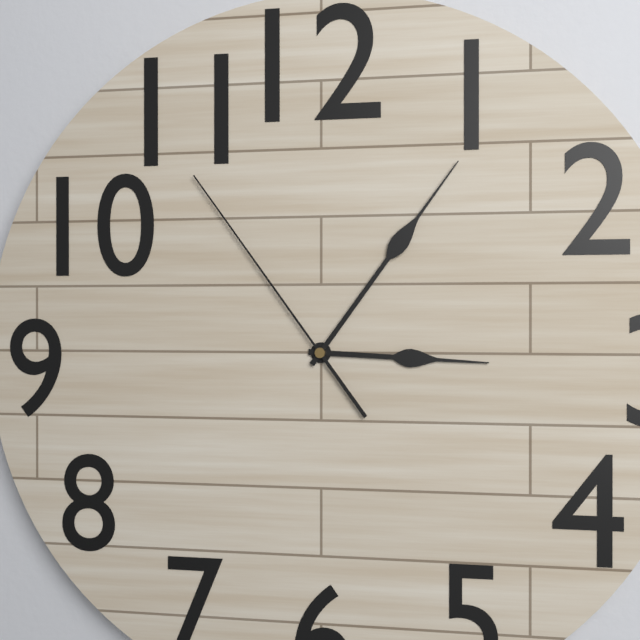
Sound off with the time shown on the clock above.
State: 3:06:54
